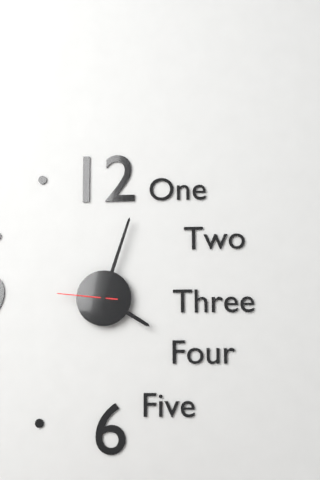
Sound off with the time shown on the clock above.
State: 4:03:46
